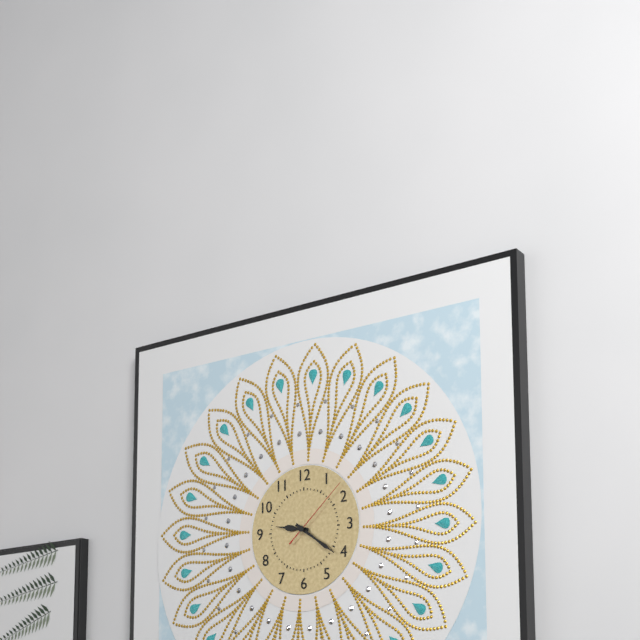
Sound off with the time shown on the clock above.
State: 9:21:08
